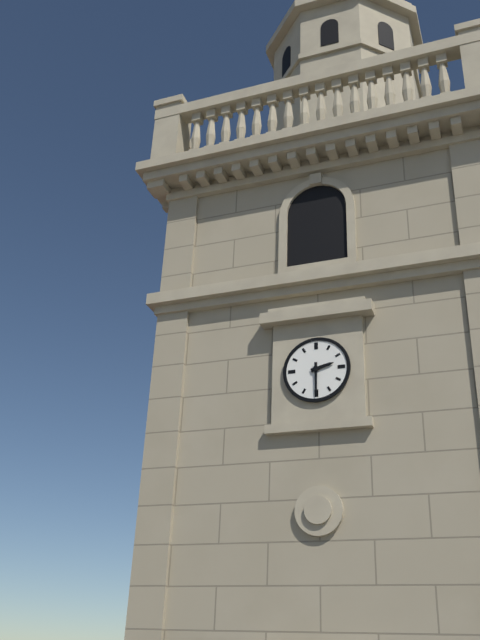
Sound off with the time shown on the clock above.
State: 2:30
